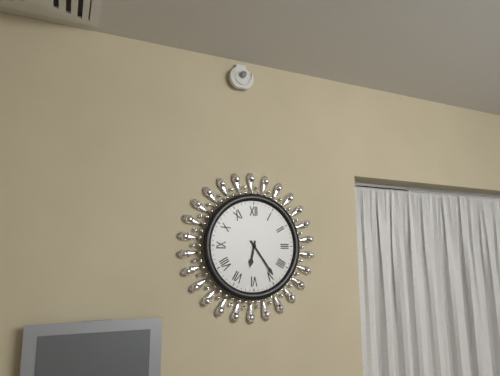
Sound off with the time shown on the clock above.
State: 6:24
